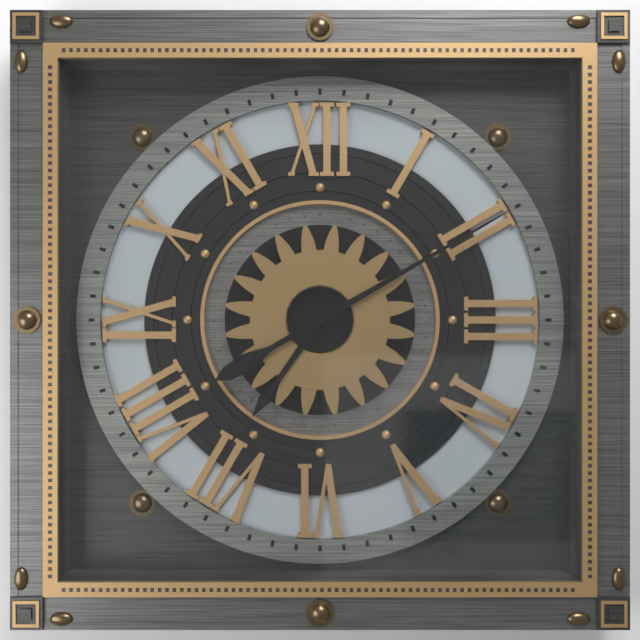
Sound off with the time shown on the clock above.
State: 7:10
